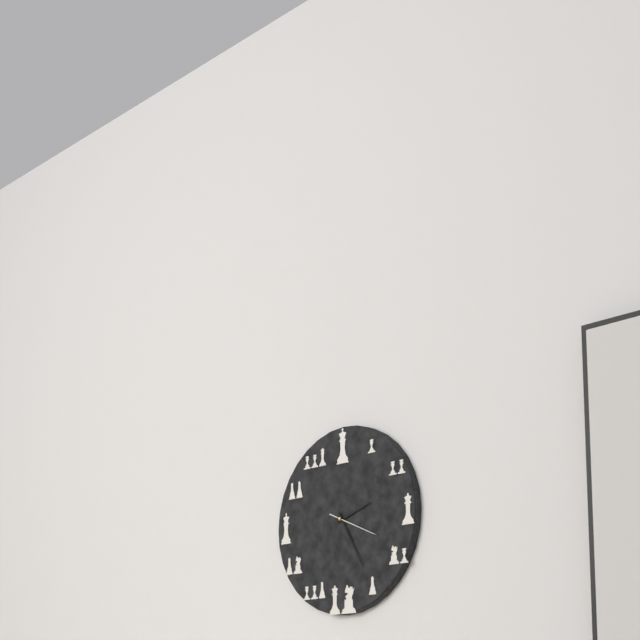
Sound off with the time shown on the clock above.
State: 2:25
